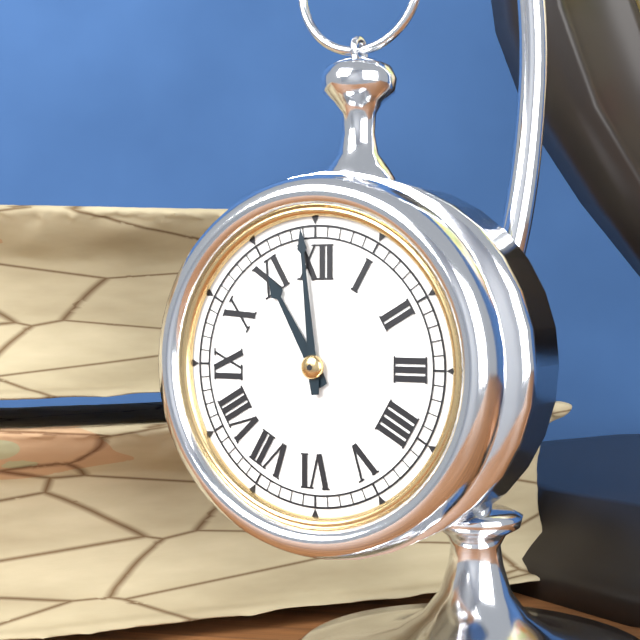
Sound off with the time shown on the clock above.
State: 10:59
